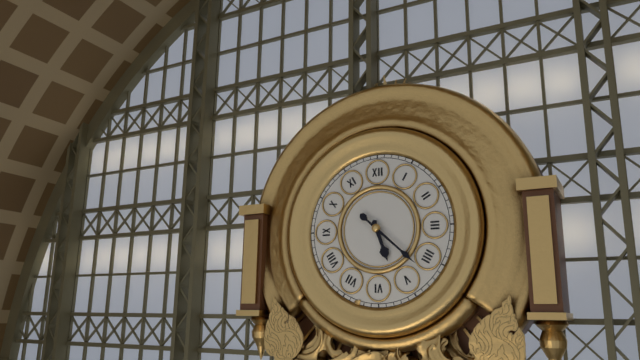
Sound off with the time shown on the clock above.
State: 5:22
